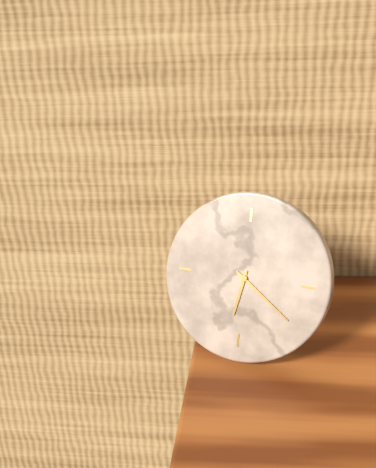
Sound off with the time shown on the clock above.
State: 6:21
